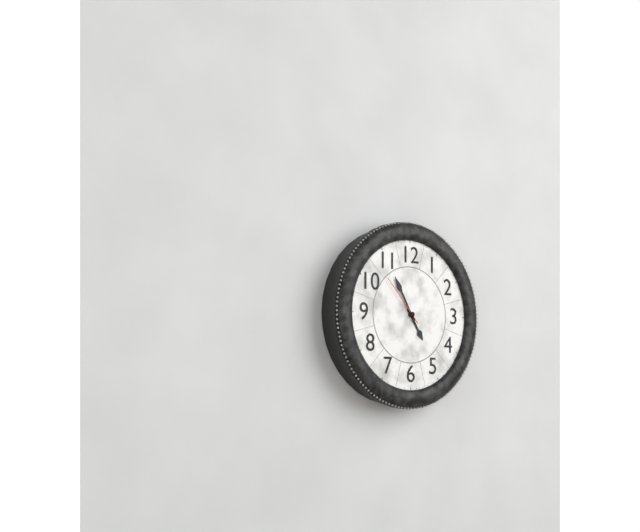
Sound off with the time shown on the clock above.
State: 4:55:53
